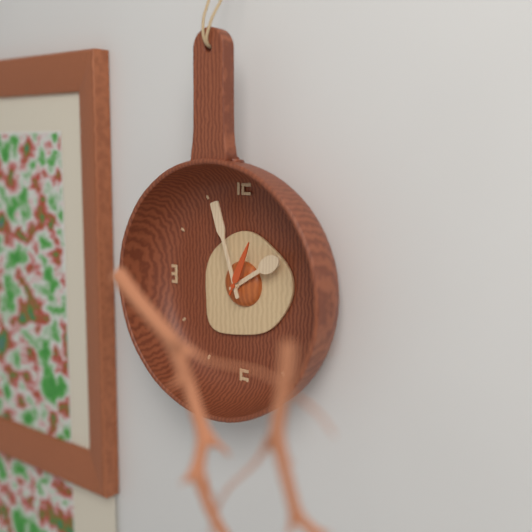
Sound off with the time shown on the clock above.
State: 1:57:04
